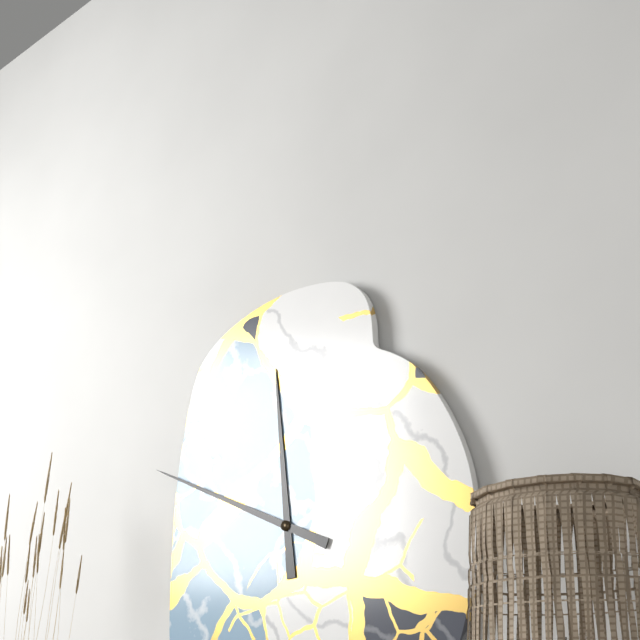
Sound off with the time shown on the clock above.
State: 11:49
